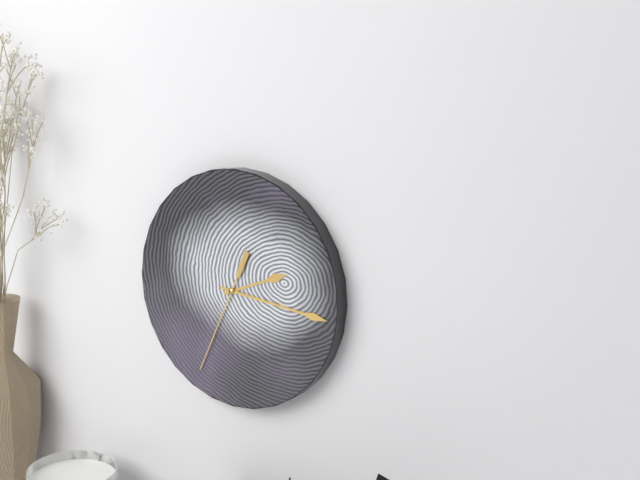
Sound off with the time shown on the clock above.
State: 2:16:34
